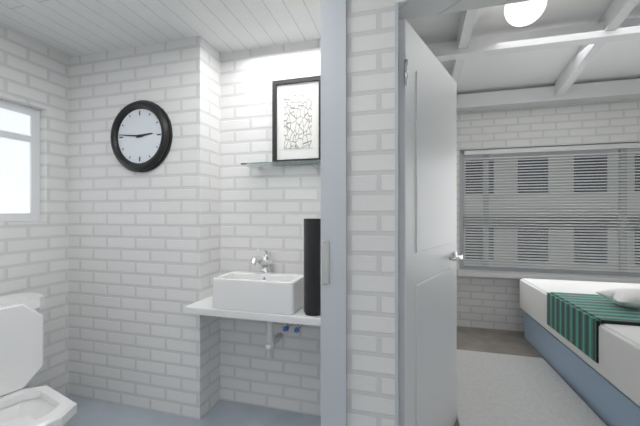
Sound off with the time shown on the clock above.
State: 2:46
